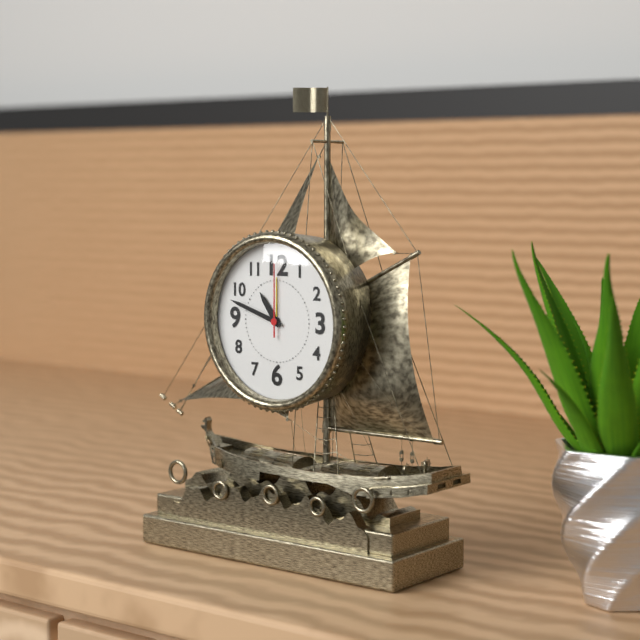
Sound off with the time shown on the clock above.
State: 10:48:00
